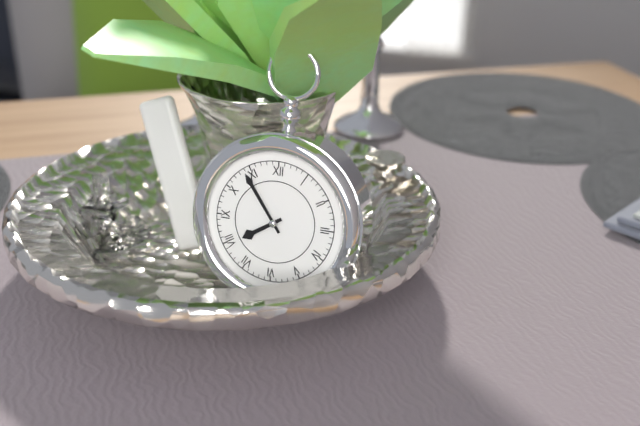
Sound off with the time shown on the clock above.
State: 7:54
